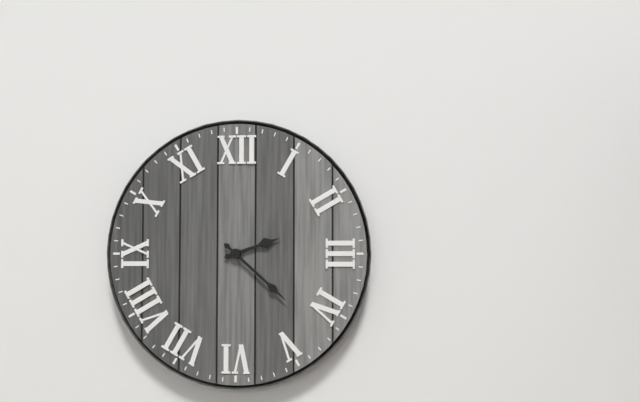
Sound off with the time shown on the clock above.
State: 2:22
